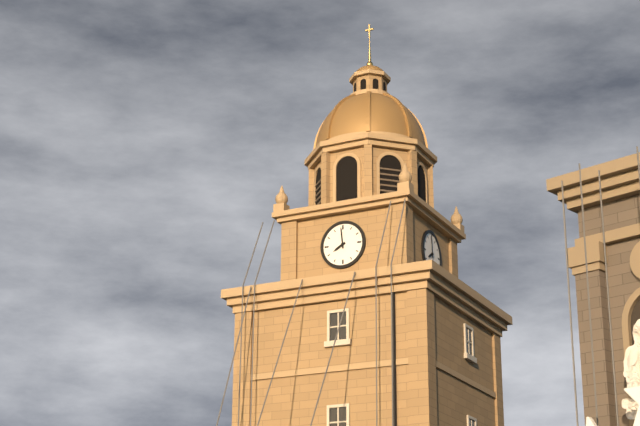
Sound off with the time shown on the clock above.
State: 7:59
